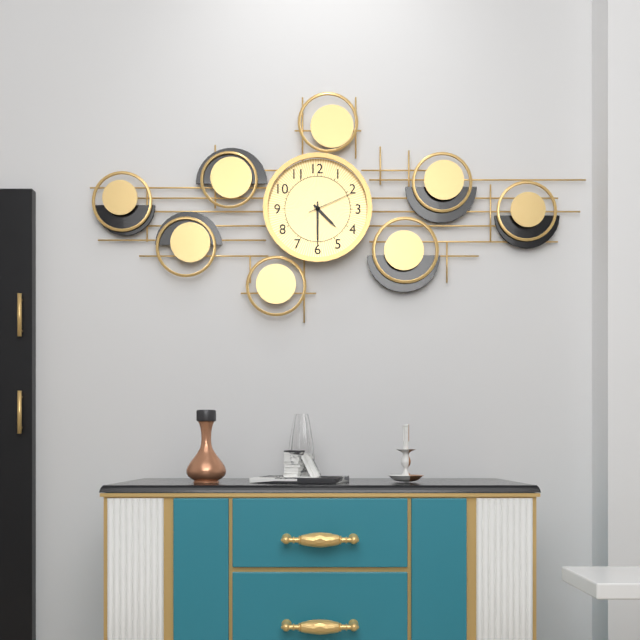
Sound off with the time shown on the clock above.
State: 4:30:11
